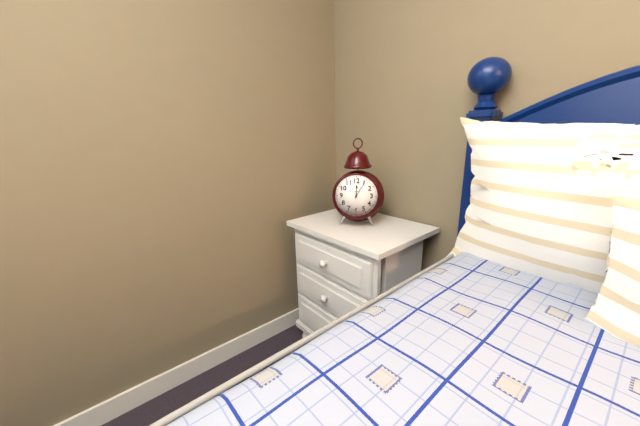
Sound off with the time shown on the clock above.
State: 12:05
